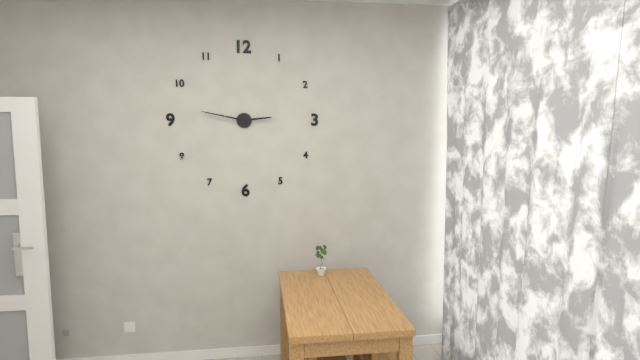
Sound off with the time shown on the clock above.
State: 2:47
